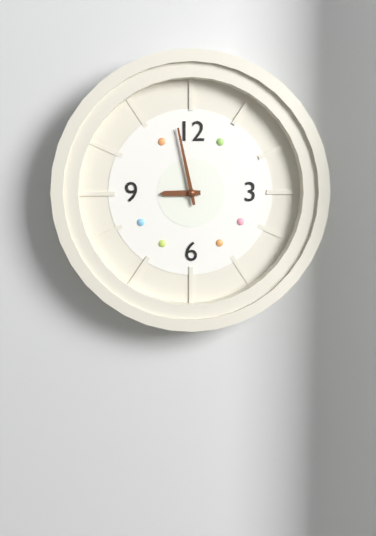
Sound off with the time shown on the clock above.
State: 8:58
